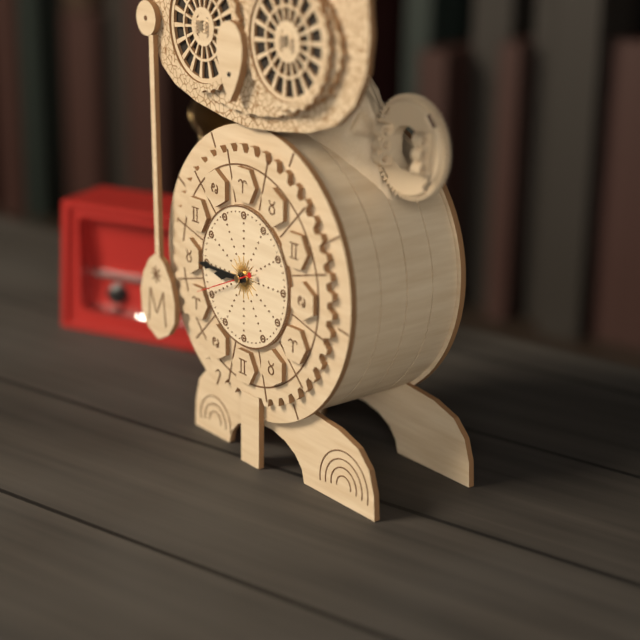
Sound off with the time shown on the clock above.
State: 8:45:41
